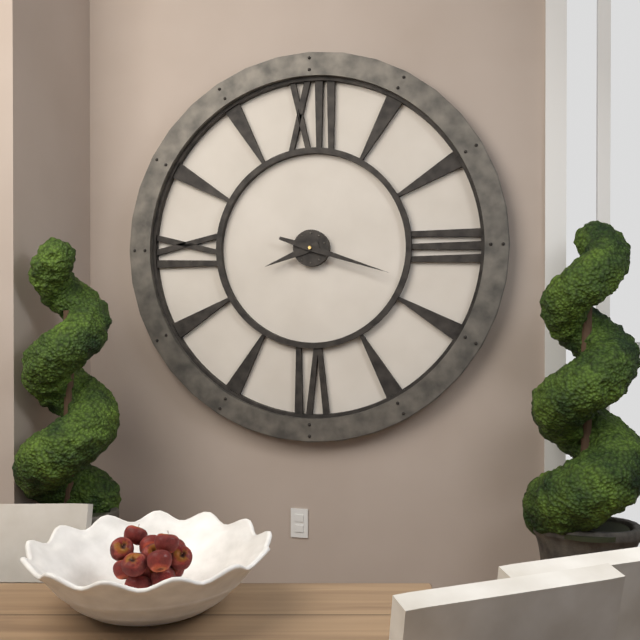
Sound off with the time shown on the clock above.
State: 8:18
